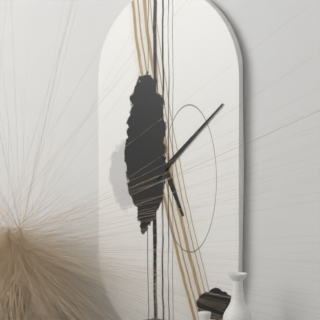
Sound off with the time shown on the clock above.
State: 5:08
